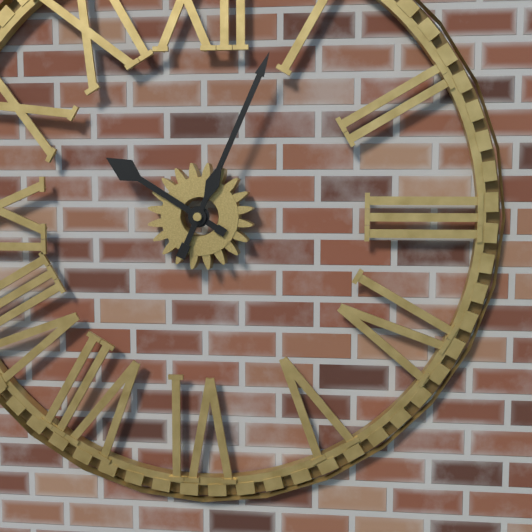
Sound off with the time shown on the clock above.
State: 10:04
